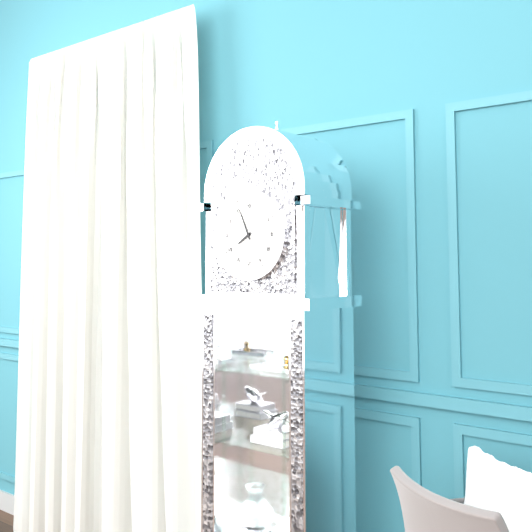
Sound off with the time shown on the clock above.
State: 7:56
